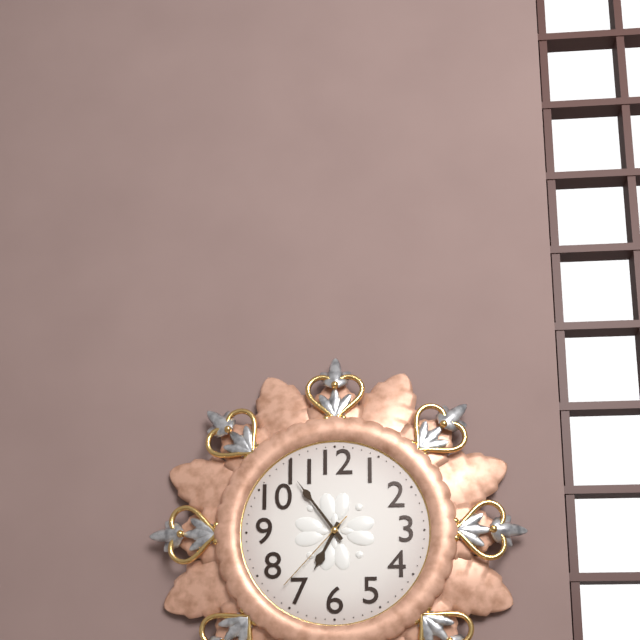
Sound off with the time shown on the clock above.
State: 6:54:37
